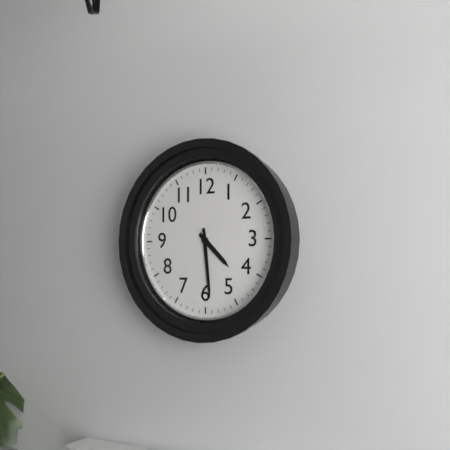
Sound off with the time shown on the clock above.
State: 4:29
